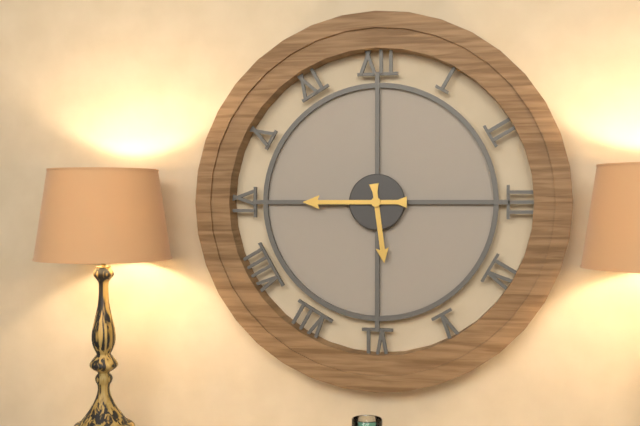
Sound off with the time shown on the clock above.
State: 5:45
